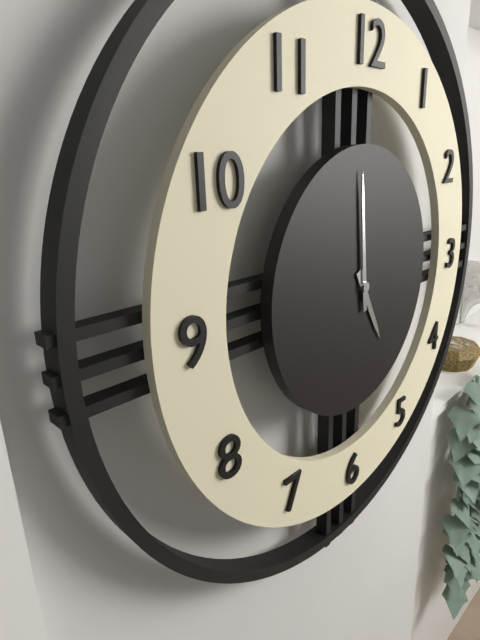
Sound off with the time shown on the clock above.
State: 4:59
